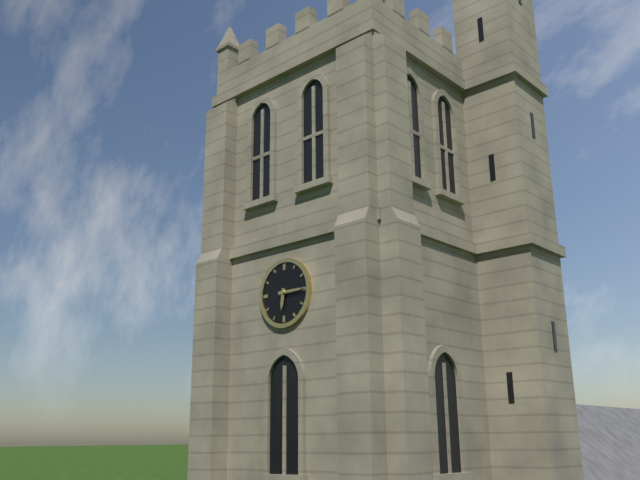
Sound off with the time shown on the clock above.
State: 6:15
